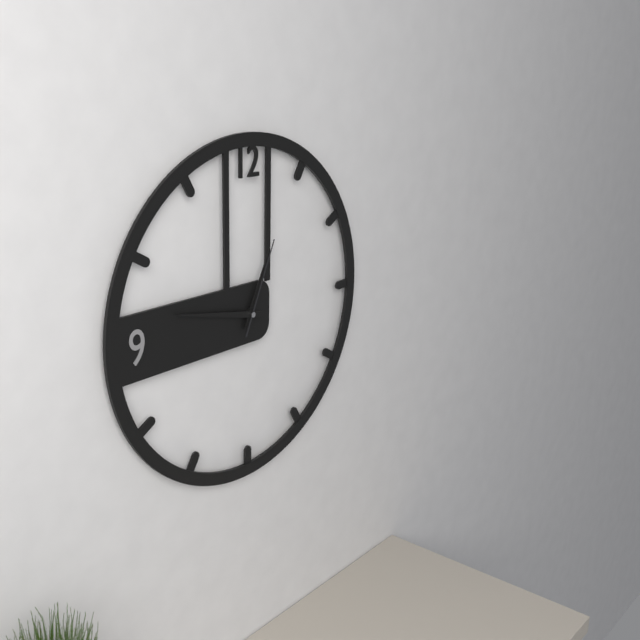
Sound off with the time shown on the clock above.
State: 12:47:04
